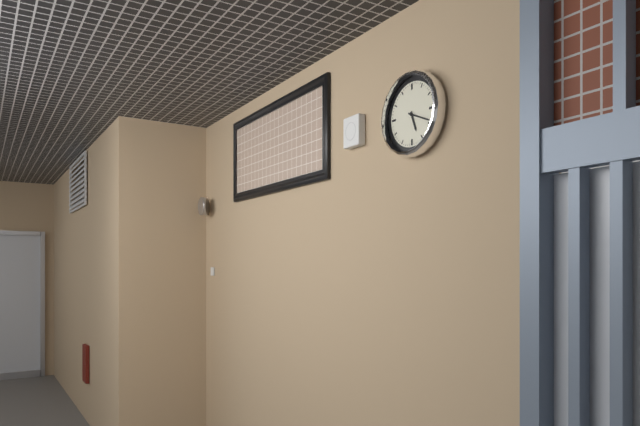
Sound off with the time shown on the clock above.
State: 5:19
